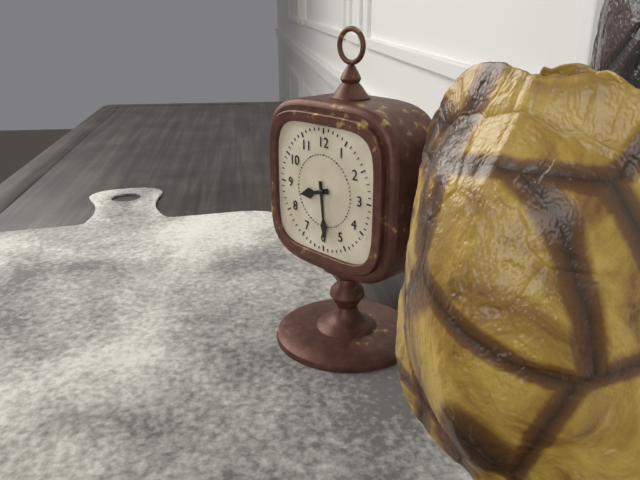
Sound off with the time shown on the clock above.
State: 8:29
